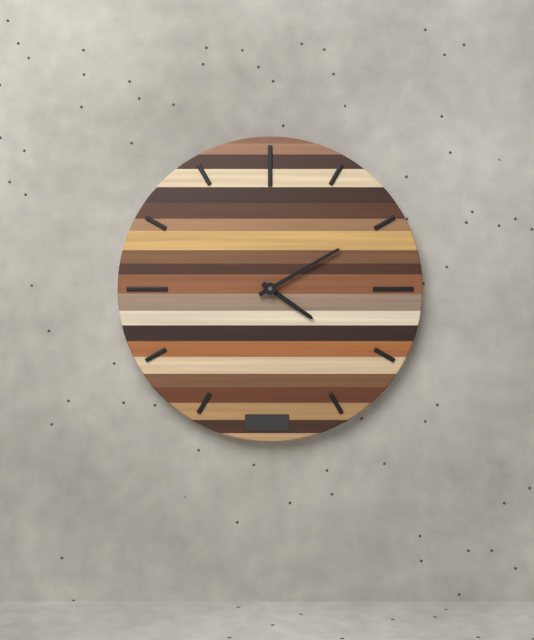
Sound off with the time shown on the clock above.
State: 4:10
